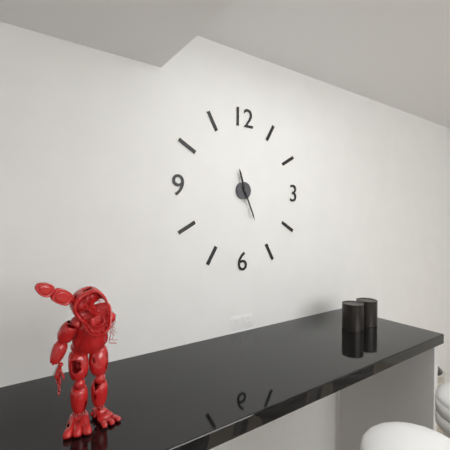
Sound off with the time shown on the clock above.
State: 11:26
